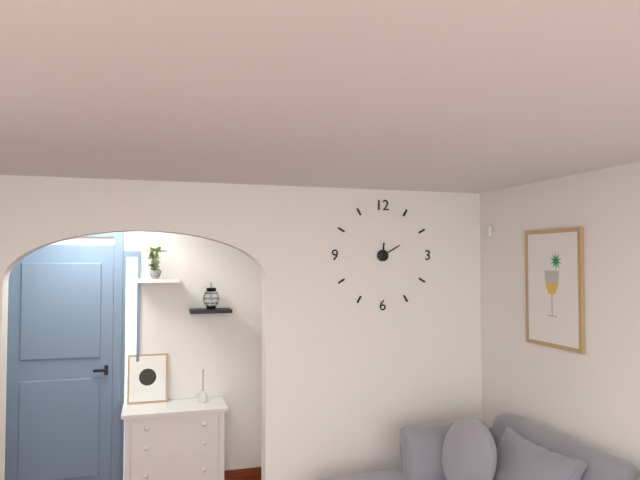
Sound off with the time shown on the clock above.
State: 12:10
